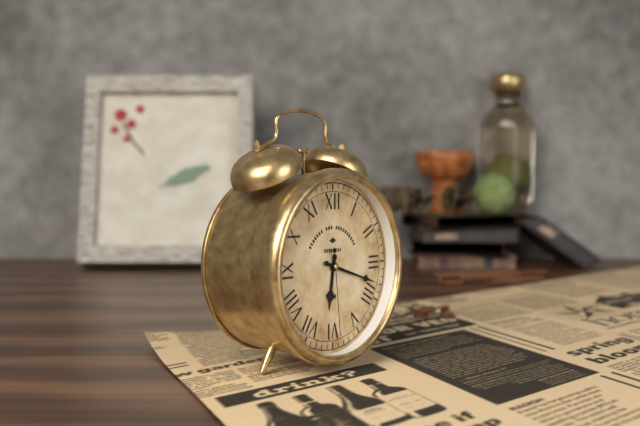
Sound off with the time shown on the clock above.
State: 6:18:29
